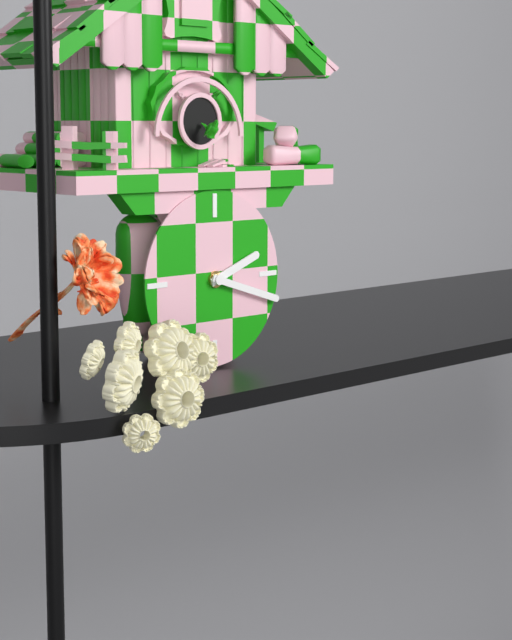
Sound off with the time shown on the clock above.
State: 2:18
